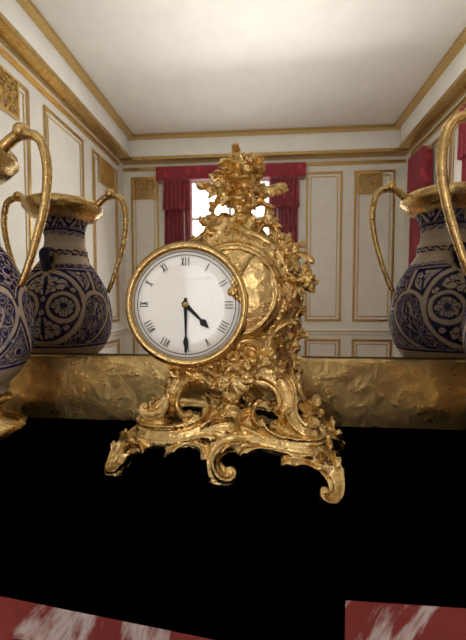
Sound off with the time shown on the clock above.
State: 4:30
